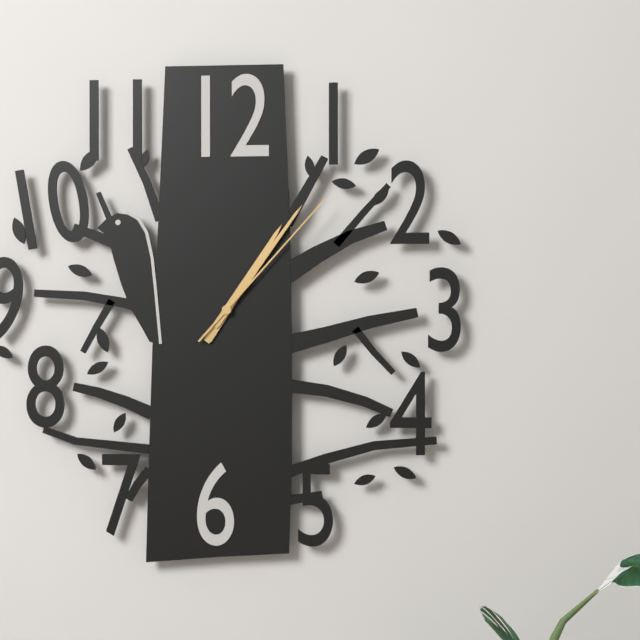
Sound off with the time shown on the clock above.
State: 1:06:07
